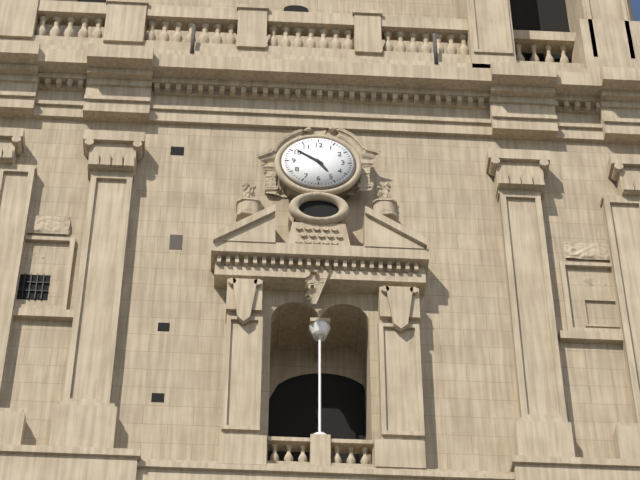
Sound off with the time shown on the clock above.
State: 4:51
